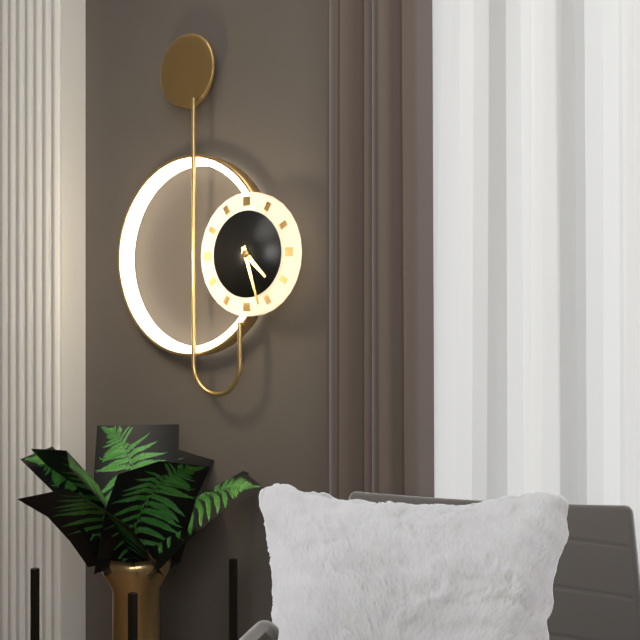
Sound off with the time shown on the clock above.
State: 4:27
